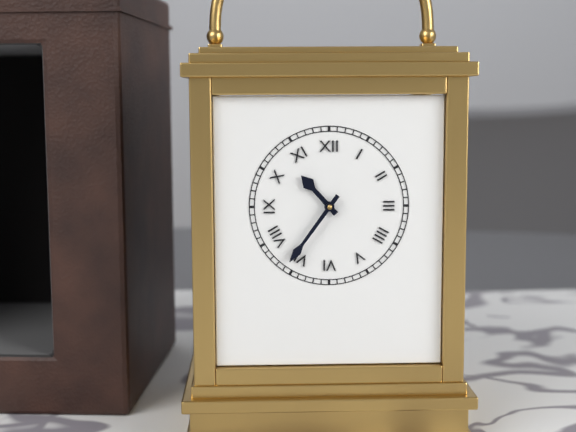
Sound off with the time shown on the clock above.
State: 10:36
